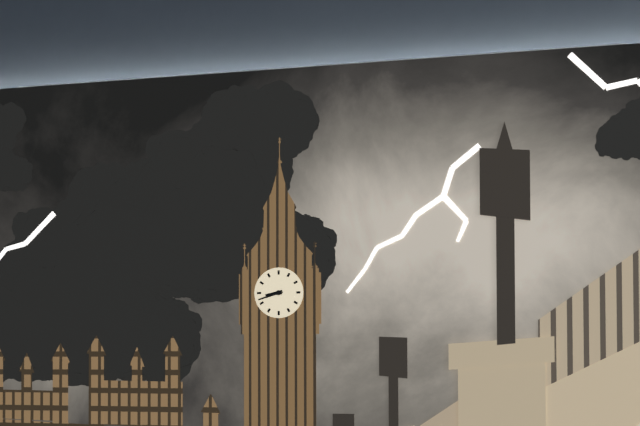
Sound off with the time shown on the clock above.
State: 8:42
